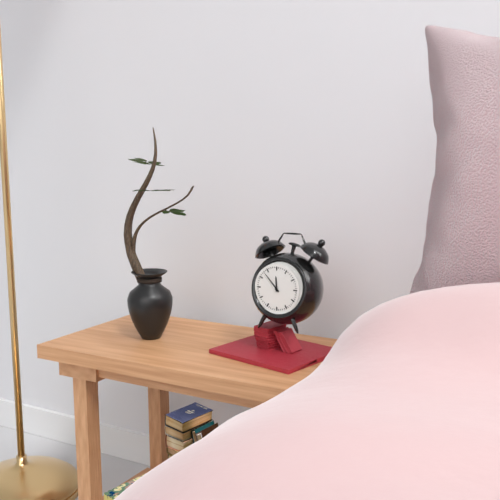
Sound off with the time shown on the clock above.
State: 11:53
